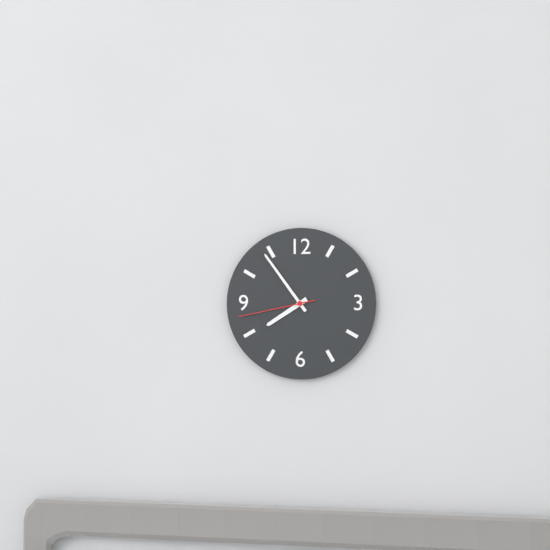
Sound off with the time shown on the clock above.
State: 7:54:43
